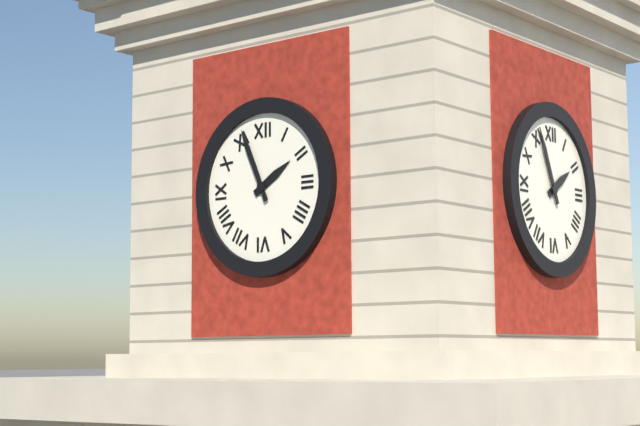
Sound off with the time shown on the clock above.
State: 1:56
